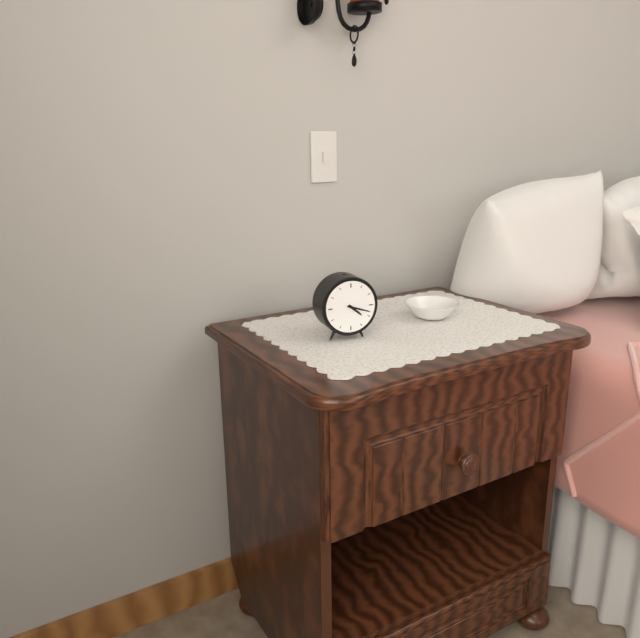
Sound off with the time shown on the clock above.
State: 4:18
